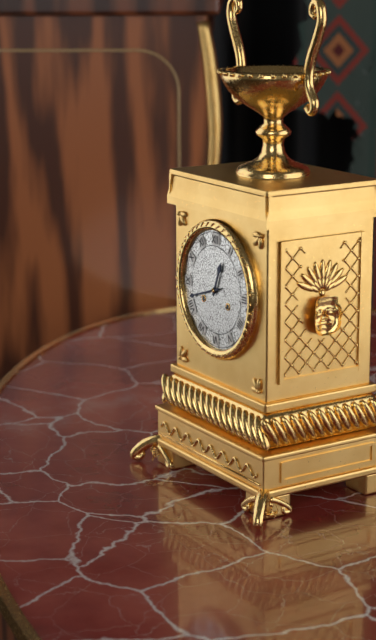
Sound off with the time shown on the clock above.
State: 12:42
